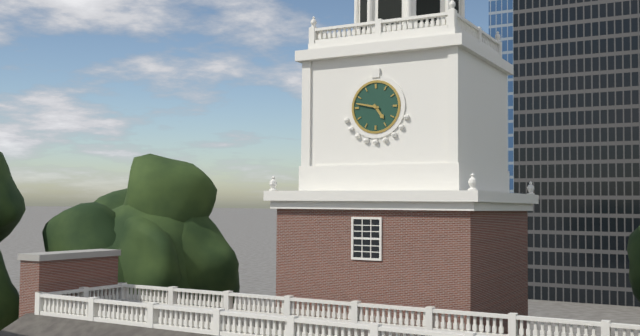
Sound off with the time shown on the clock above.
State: 4:47
